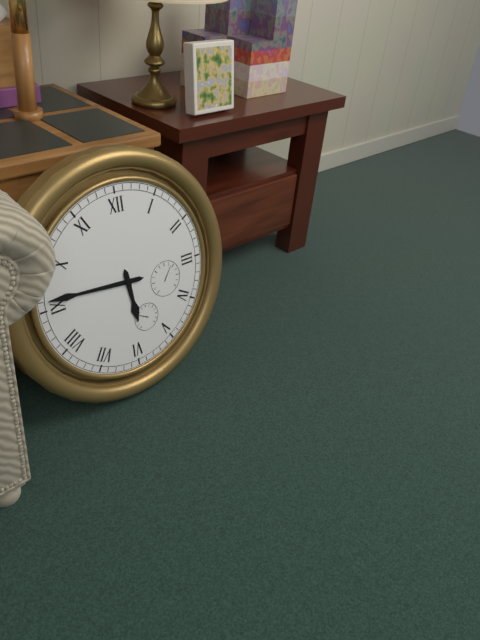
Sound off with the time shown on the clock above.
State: 5:46
